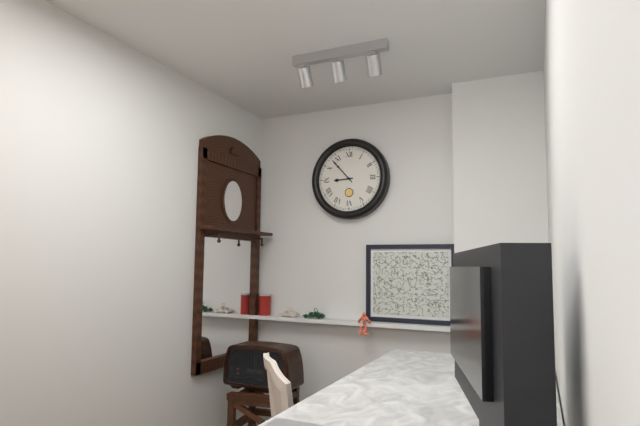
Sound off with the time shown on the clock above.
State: 8:53
